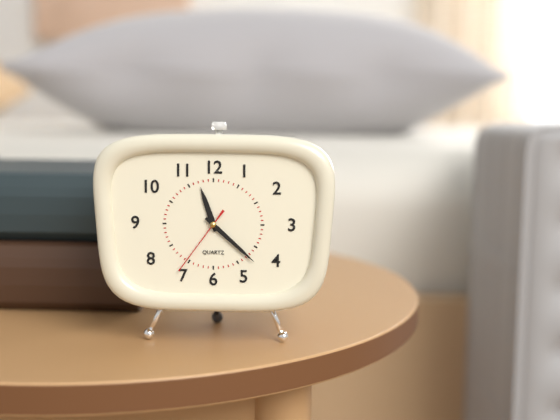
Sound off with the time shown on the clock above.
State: 11:22:36
